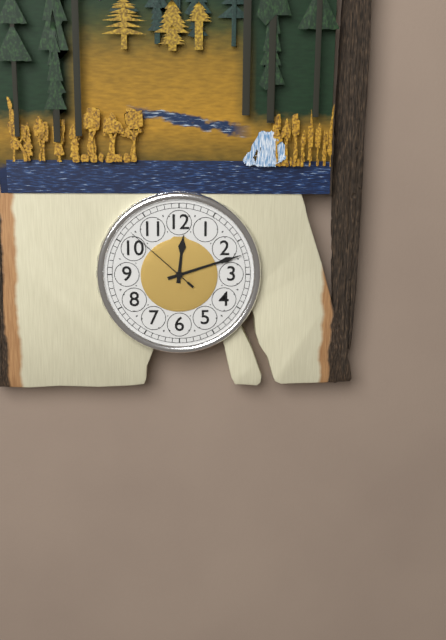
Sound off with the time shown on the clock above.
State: 12:12:52
